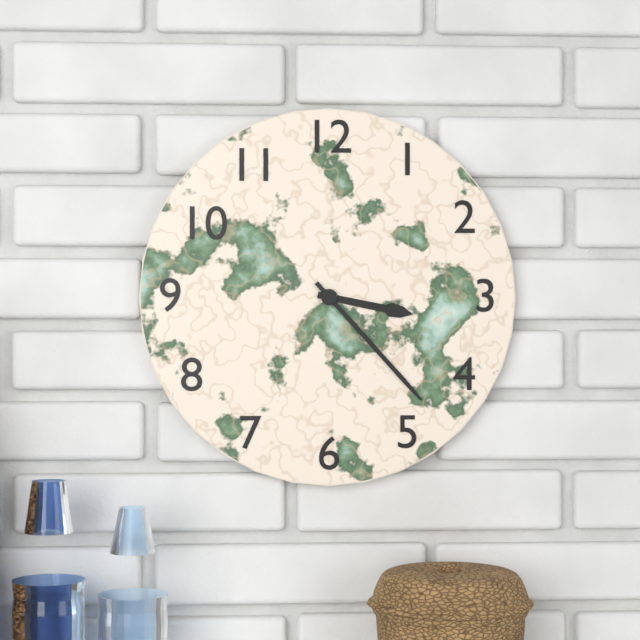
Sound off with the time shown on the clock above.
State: 3:23
